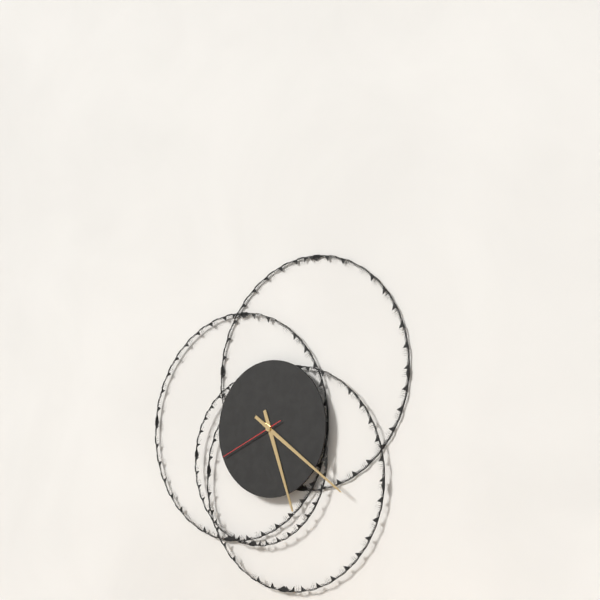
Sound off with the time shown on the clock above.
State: 5:21:41
